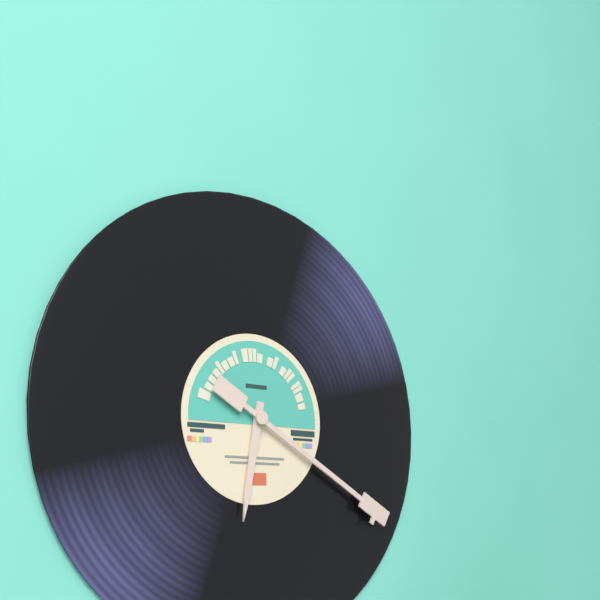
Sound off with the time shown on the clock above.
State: 6:20
